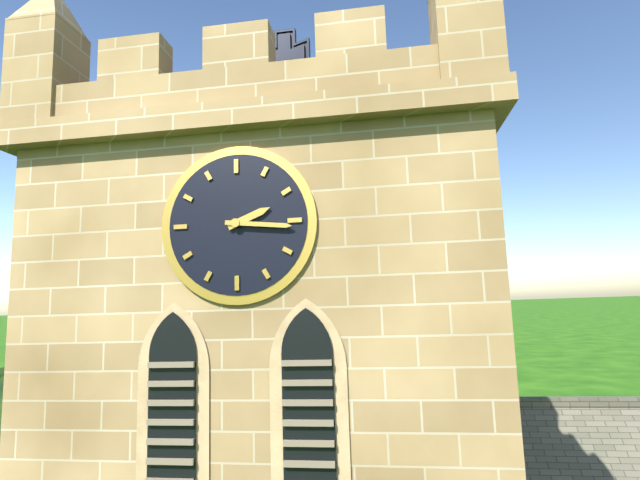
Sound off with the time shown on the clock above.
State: 2:16
